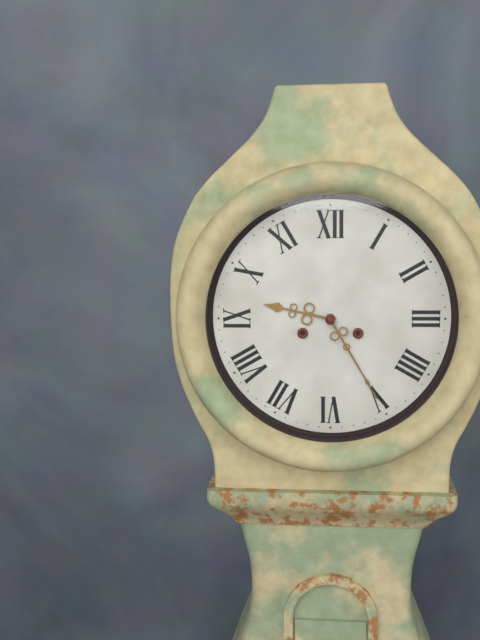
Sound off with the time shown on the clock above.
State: 9:25
